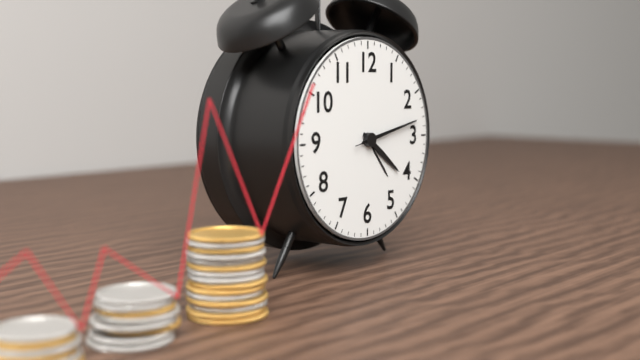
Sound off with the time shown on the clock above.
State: 4:13:13
